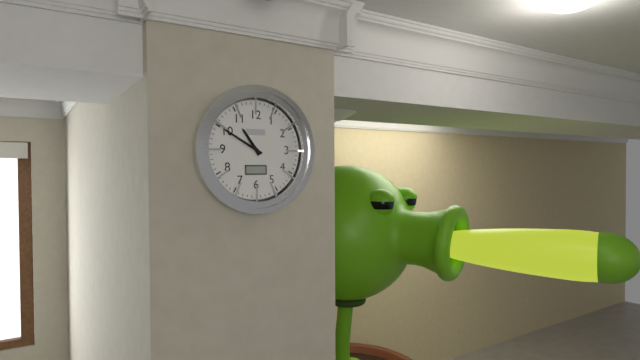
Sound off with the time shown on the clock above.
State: 10:50
